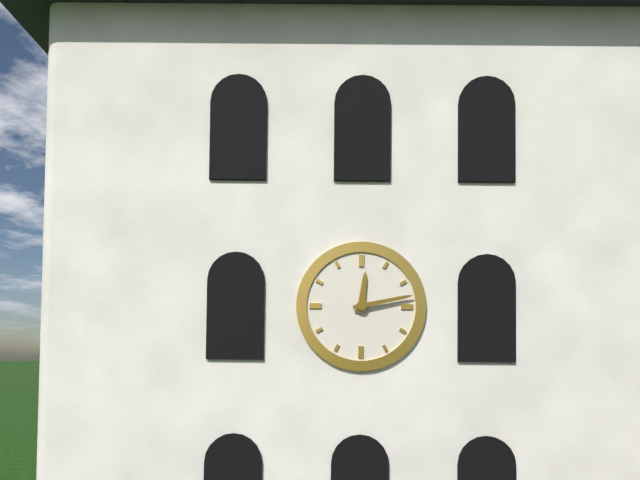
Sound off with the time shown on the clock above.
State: 12:13
